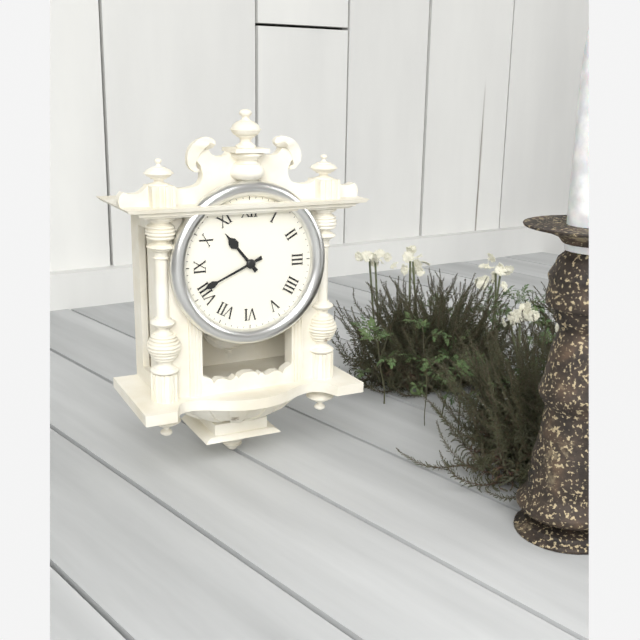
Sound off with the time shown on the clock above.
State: 10:41
